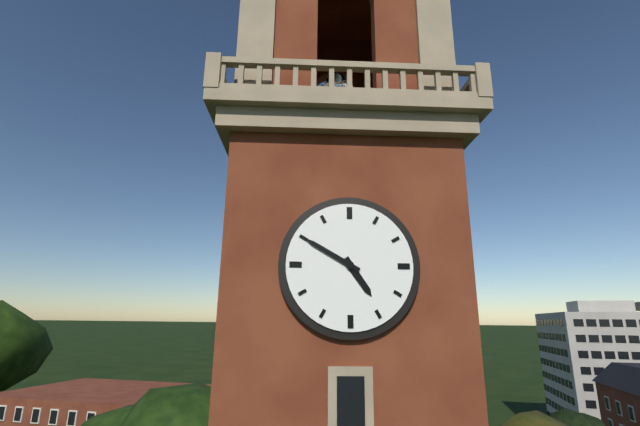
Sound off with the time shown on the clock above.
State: 4:50
